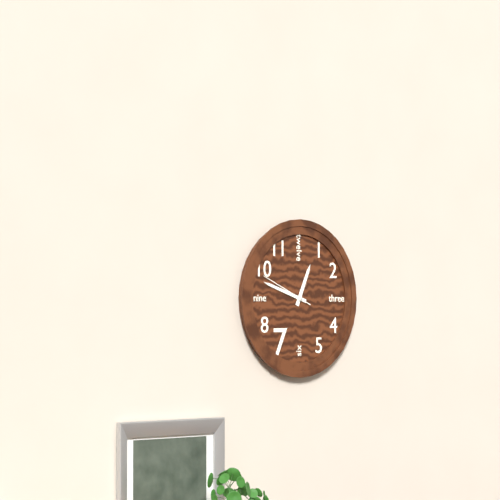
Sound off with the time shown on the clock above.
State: 12:48:49
